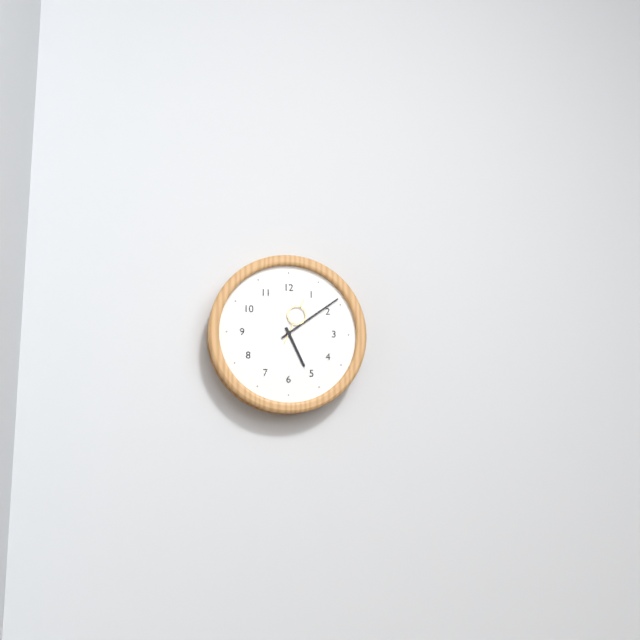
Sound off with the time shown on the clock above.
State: 5:09
